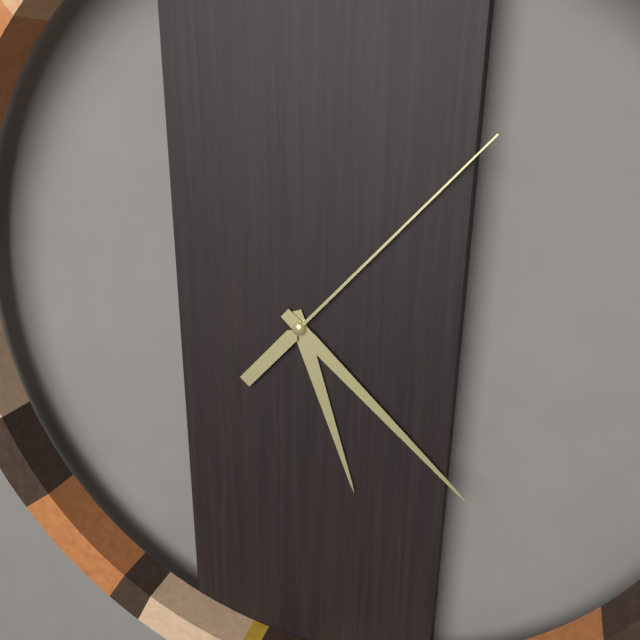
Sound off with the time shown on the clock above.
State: 5:22:07
